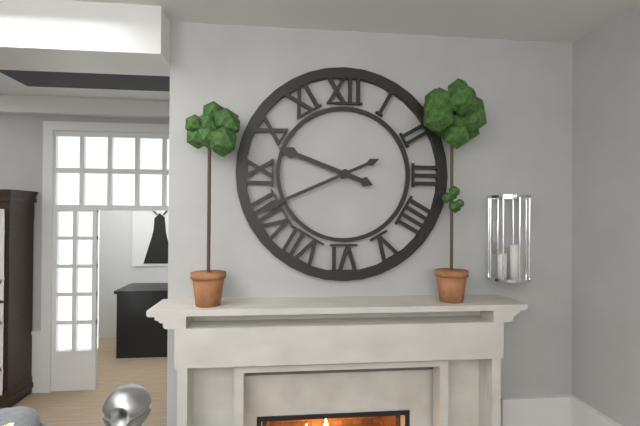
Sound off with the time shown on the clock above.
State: 9:41
